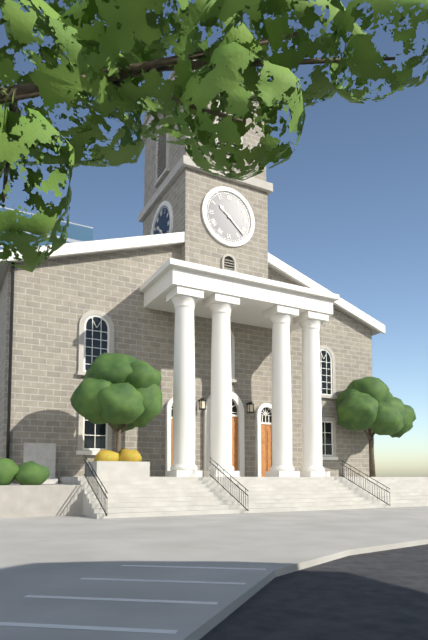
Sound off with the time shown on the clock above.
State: 10:22
